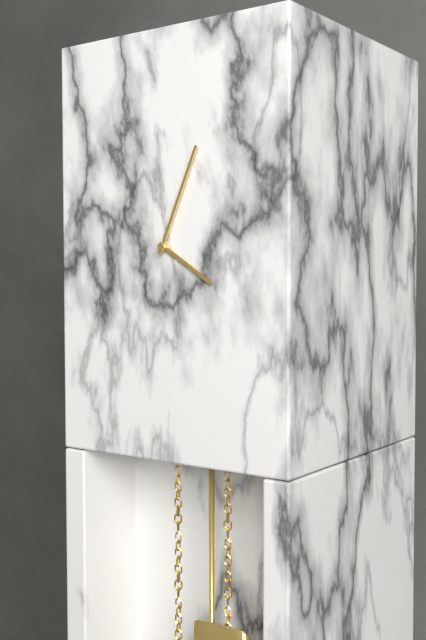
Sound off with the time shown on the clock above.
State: 4:04
